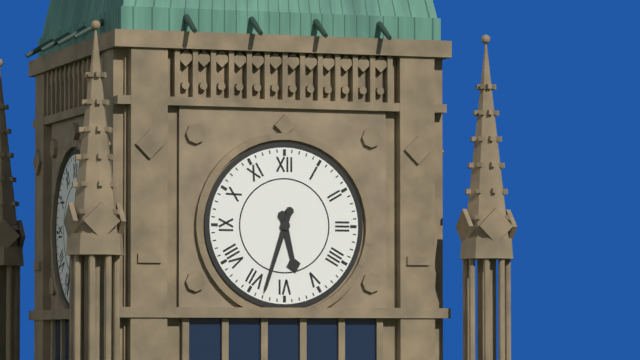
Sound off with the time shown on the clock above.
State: 5:33
